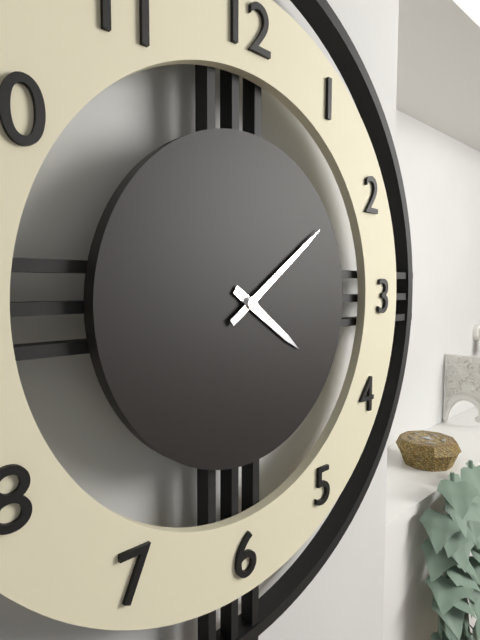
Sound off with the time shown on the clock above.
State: 4:09
